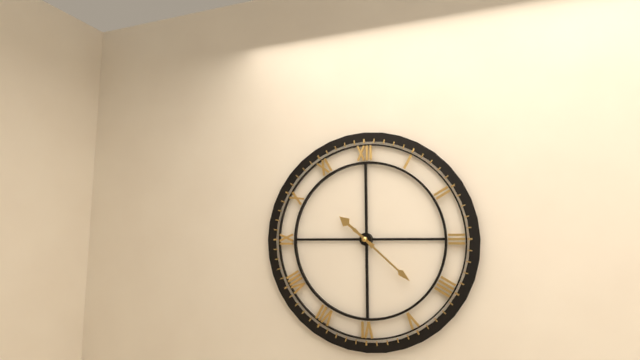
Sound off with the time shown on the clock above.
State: 10:22
